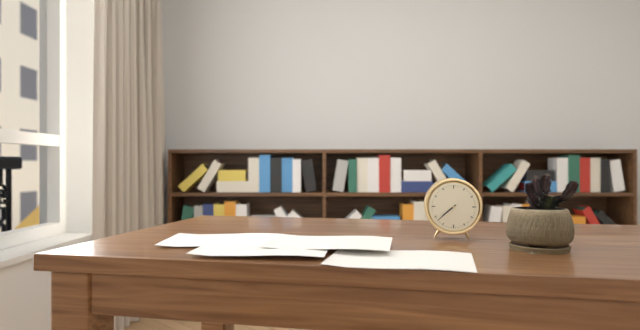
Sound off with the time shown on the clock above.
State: 7:38
